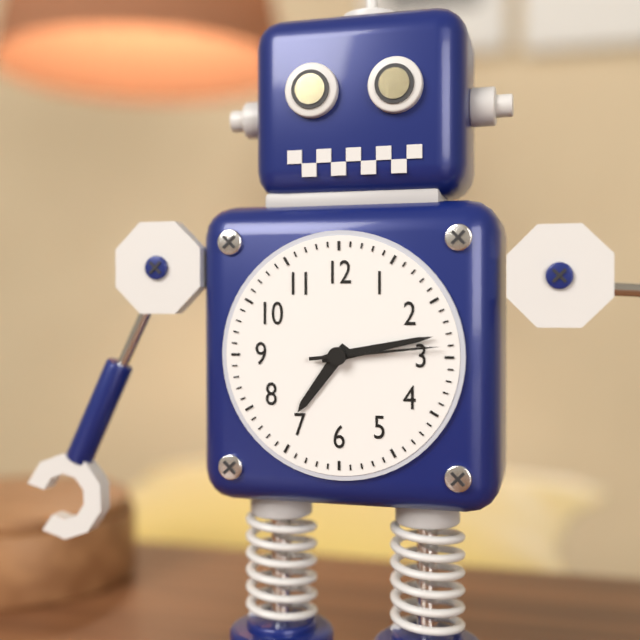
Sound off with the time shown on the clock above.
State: 7:13:14
